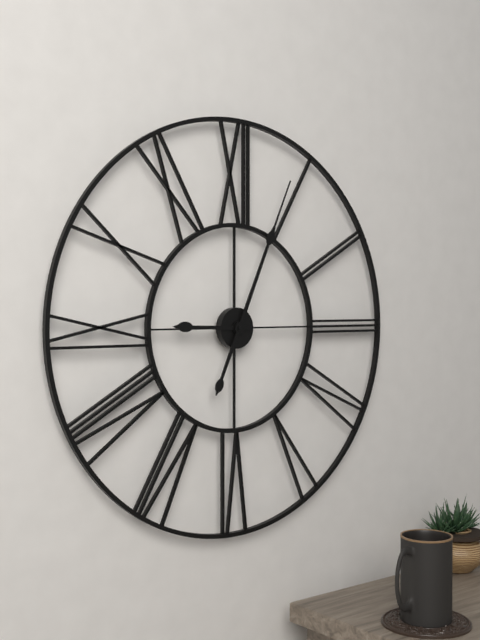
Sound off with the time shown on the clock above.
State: 9:04
